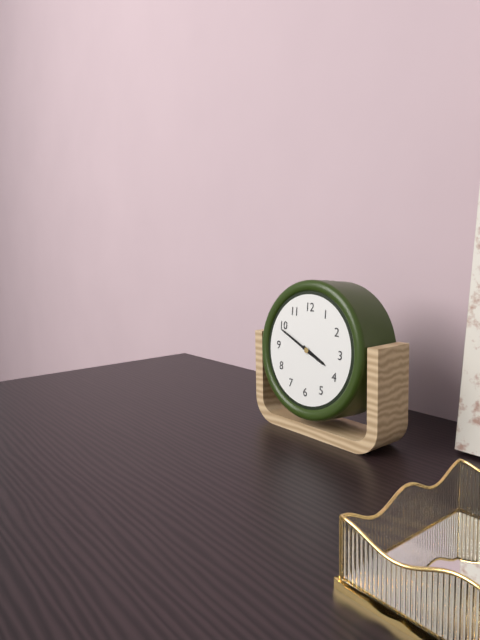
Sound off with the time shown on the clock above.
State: 3:49
